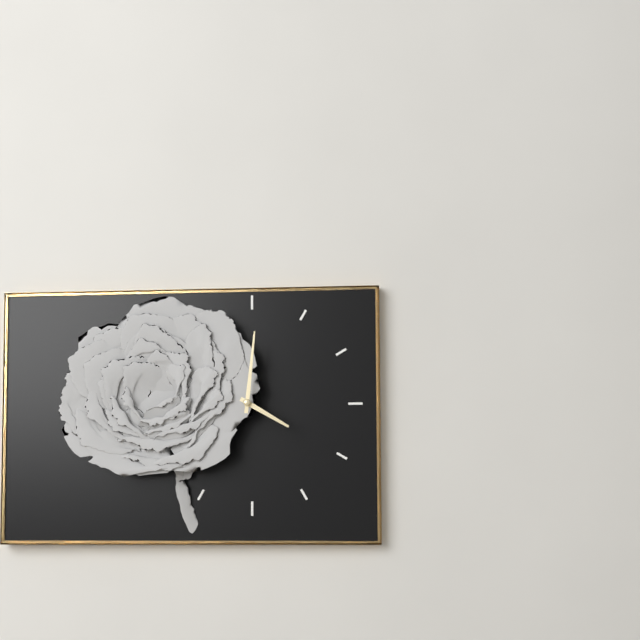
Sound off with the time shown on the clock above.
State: 4:01
